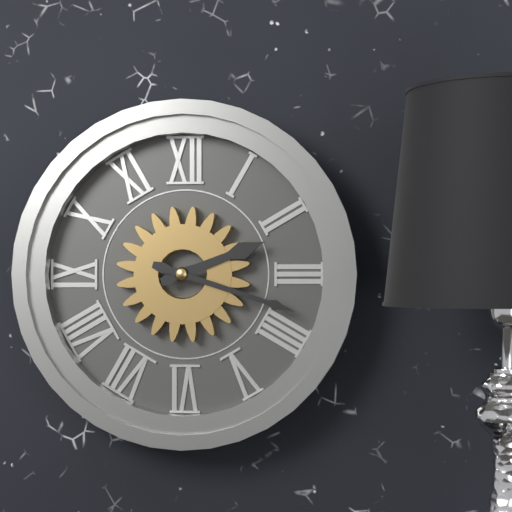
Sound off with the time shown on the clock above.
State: 2:18
